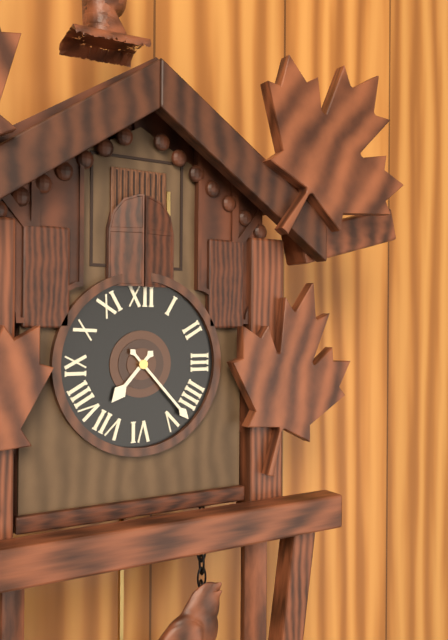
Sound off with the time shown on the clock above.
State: 7:23
